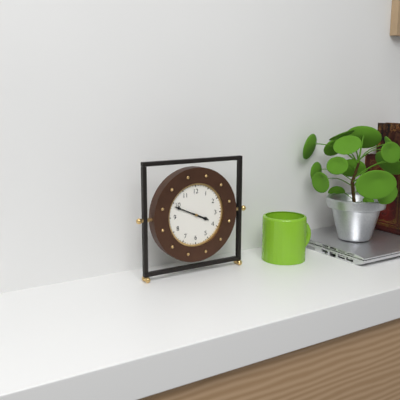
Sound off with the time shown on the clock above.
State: 3:49
